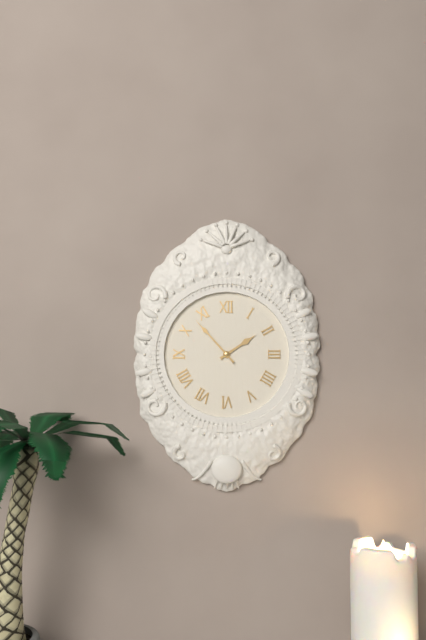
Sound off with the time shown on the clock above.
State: 1:53
